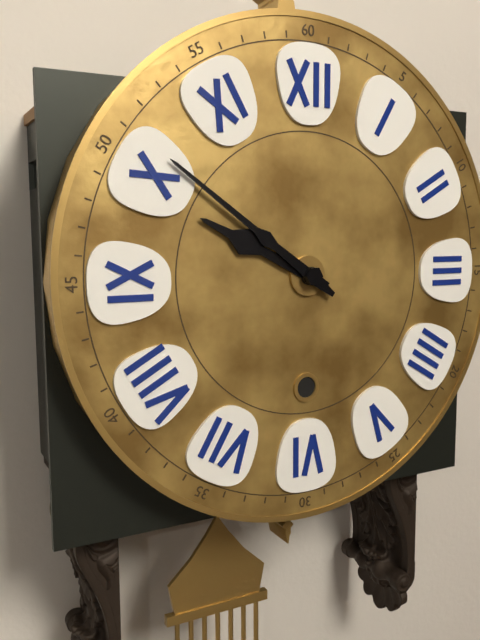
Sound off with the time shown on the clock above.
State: 9:51
